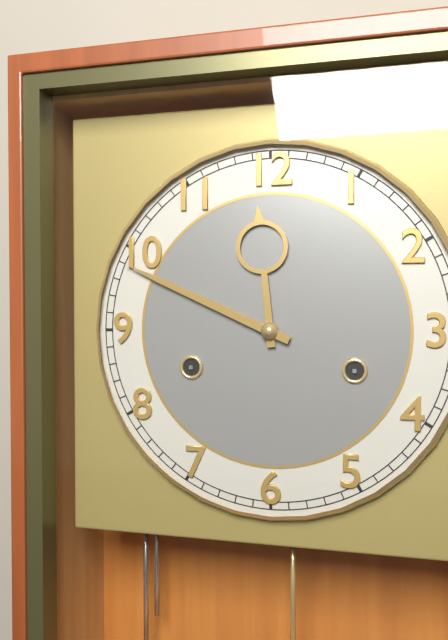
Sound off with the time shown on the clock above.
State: 11:49
